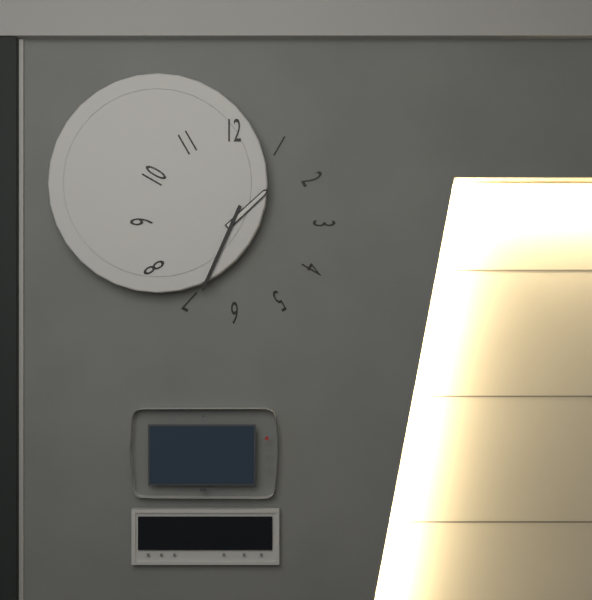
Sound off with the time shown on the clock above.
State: 1:34
